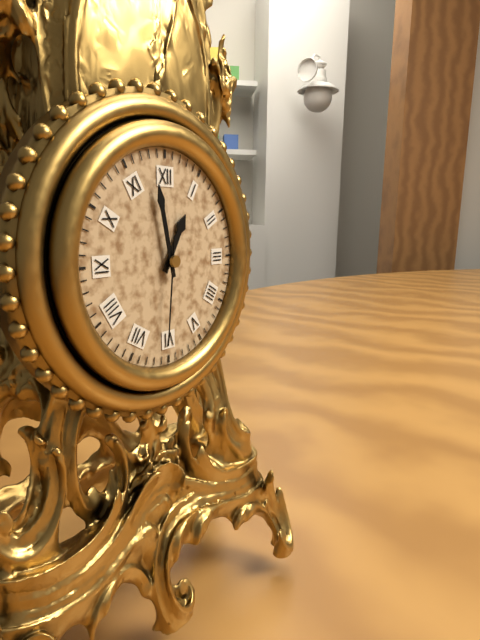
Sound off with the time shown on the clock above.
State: 12:58:31
